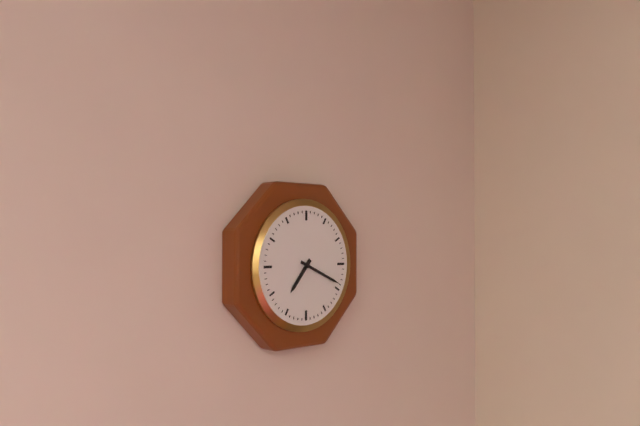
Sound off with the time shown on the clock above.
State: 7:19
